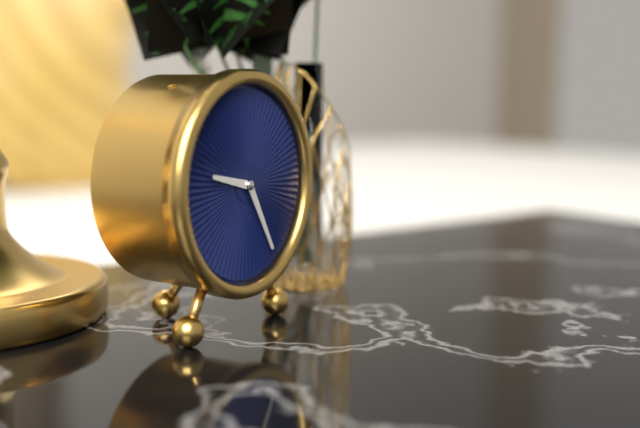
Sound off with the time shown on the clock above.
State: 9:25
